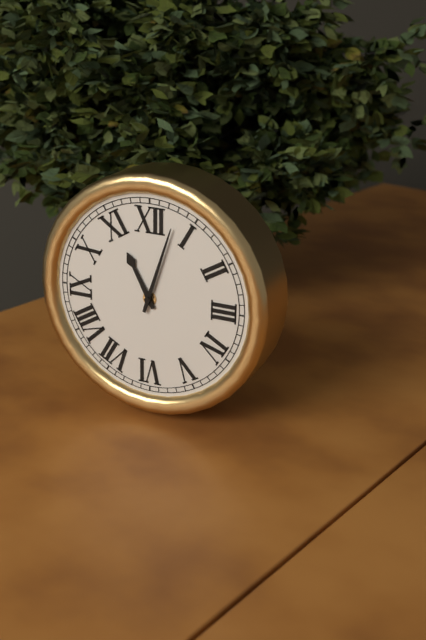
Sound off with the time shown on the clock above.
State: 11:03
